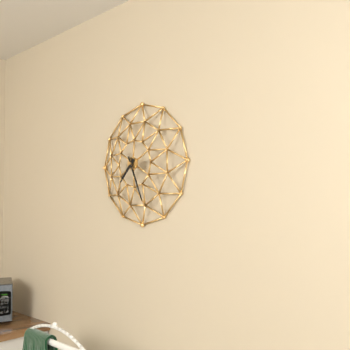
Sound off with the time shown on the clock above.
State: 7:26
